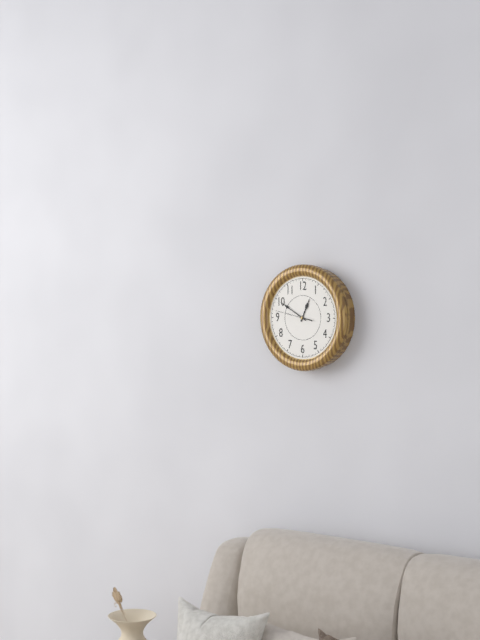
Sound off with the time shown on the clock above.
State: 12:50
